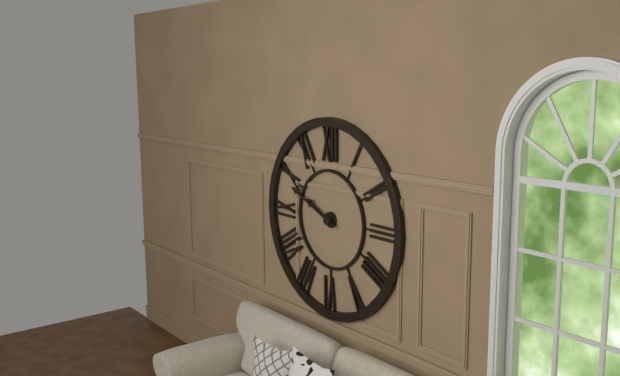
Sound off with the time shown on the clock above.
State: 9:49
